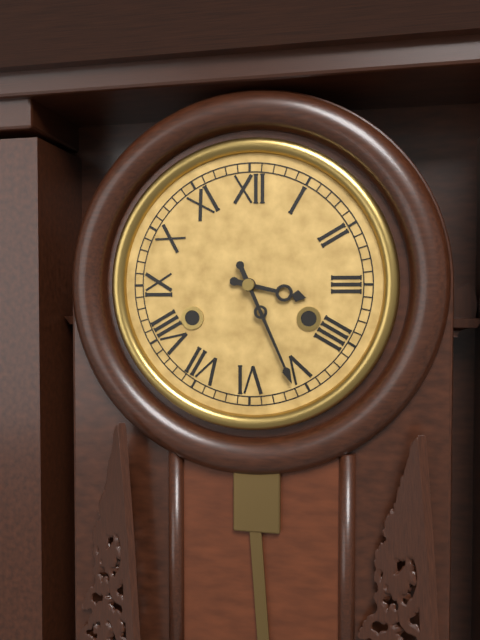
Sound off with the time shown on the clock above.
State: 3:26
